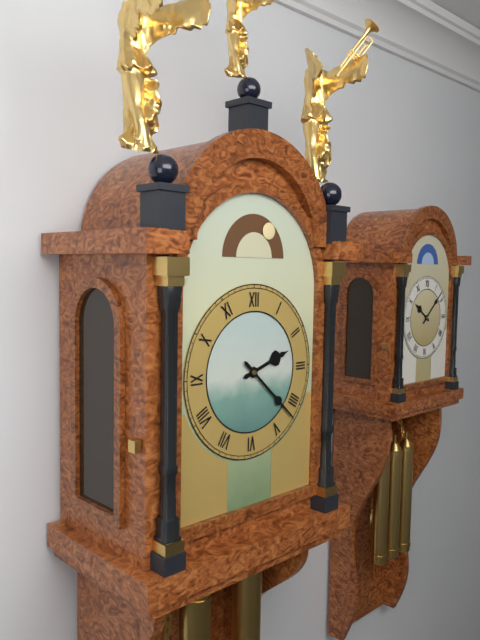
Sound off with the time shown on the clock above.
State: 2:22
